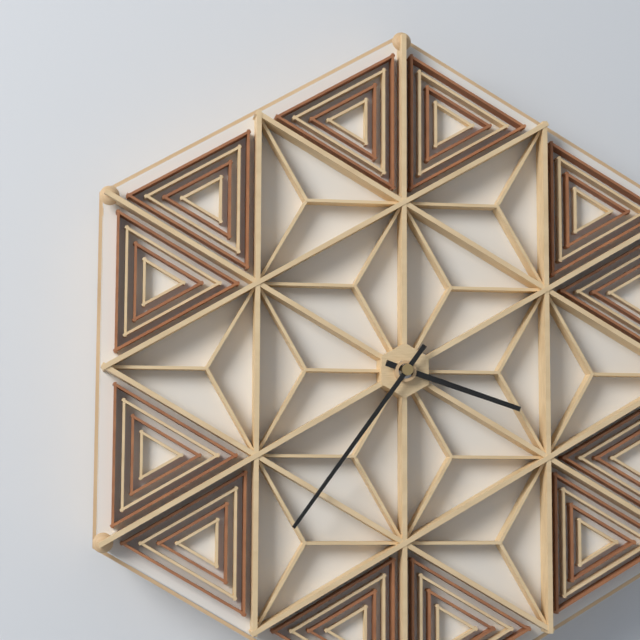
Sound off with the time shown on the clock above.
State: 3:36
